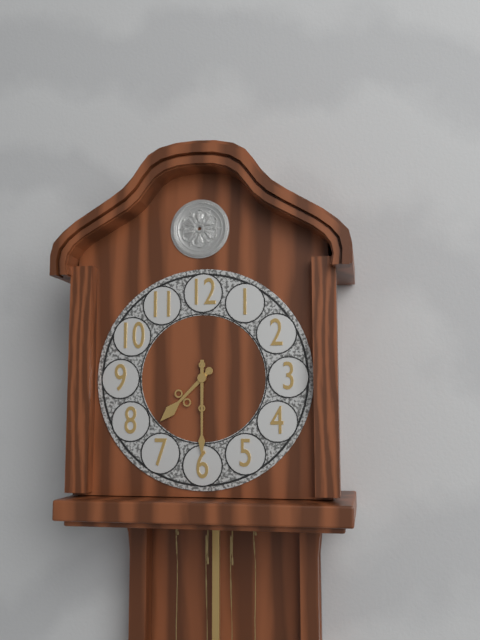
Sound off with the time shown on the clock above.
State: 7:30
